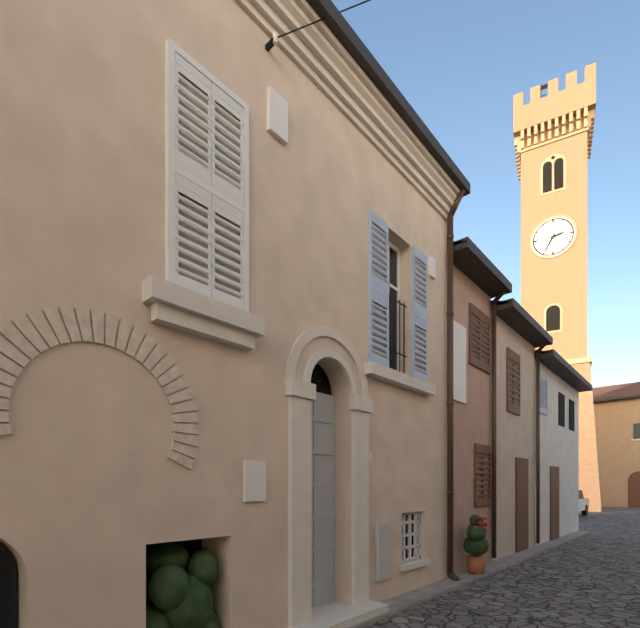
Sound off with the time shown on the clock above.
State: 2:35
